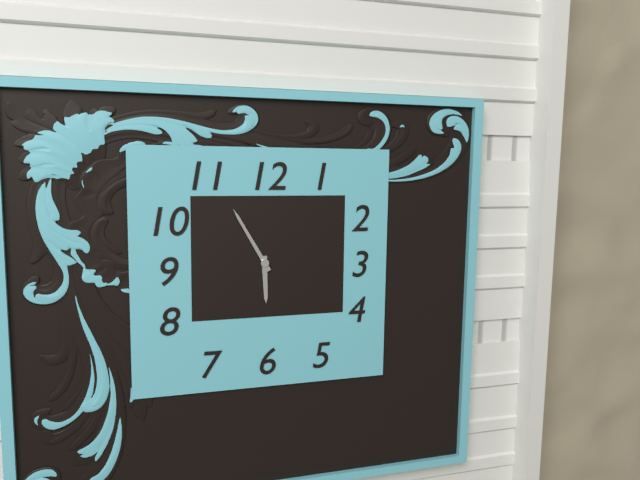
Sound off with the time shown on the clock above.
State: 5:55
